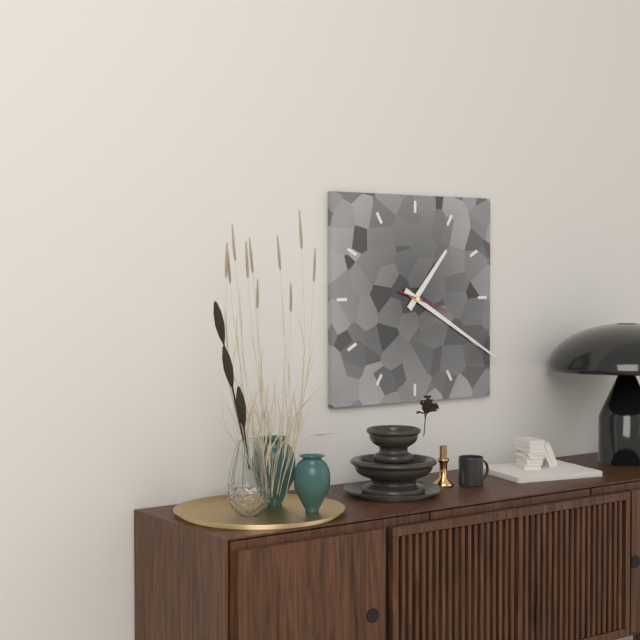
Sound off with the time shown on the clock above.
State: 1:20
